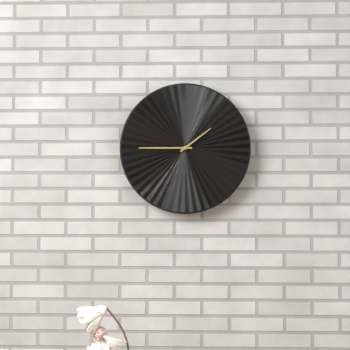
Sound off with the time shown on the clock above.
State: 1:45
